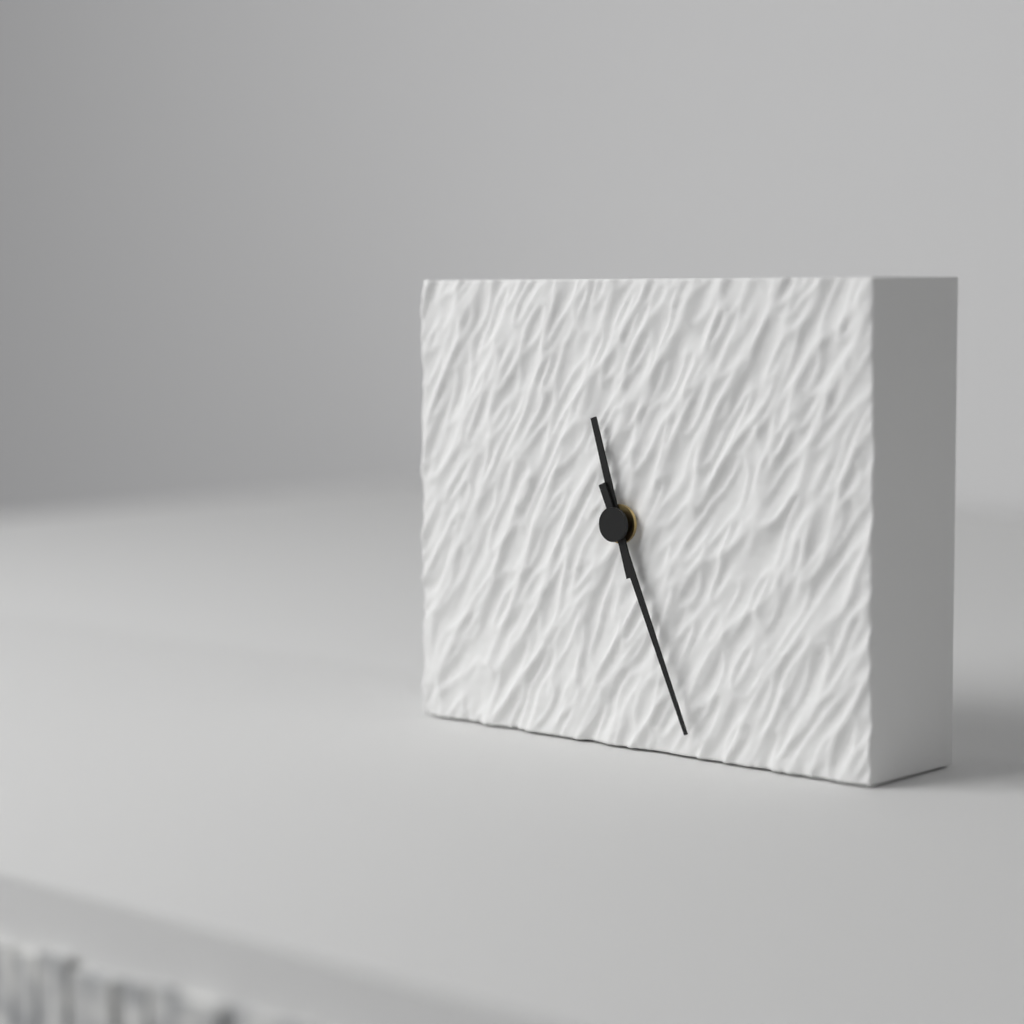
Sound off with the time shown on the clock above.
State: 11:26
